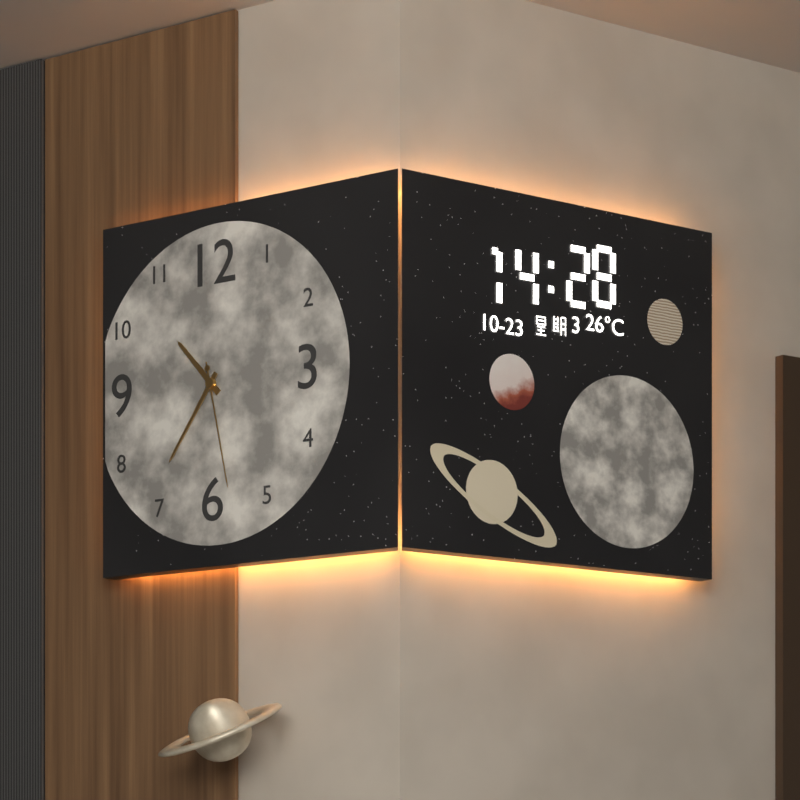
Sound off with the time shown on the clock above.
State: 10:36:28
